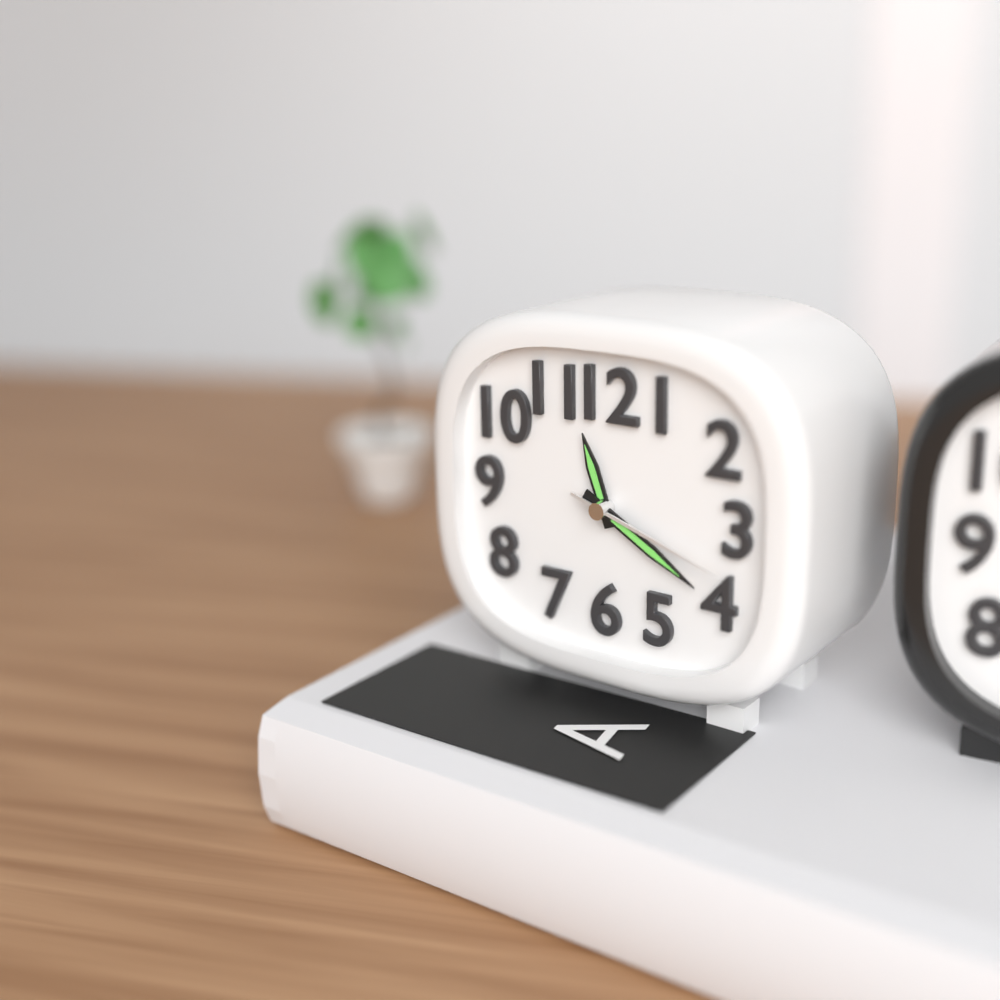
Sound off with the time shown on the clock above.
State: 11:20:18
